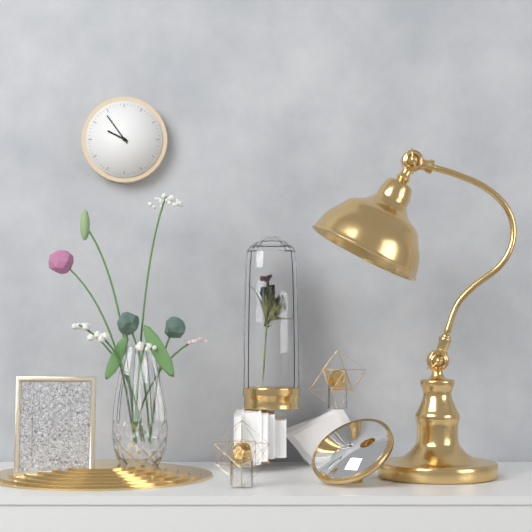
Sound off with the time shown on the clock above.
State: 9:54
